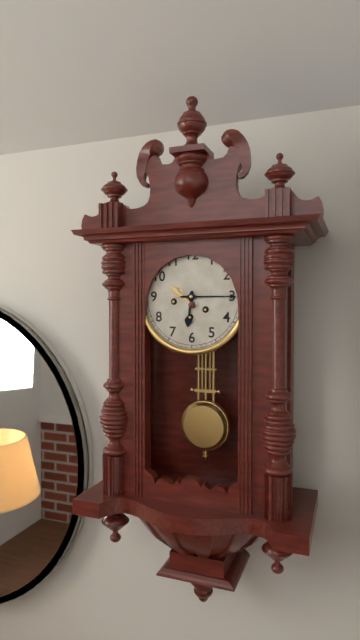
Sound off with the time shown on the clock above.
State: 6:15
